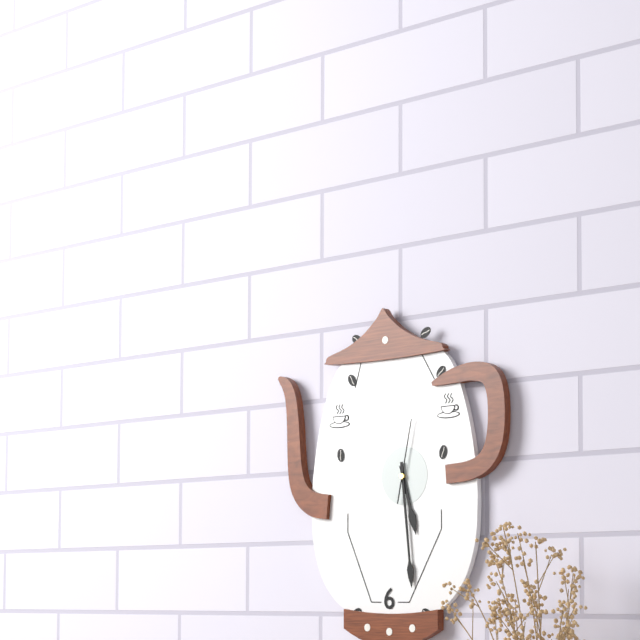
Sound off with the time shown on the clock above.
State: 5:29:02
